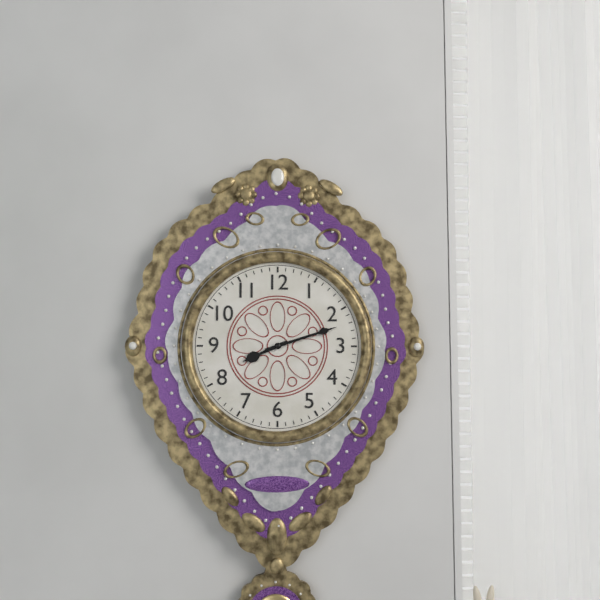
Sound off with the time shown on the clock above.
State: 8:12
